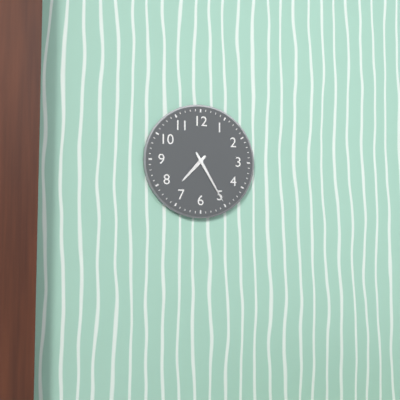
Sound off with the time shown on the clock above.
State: 7:25
